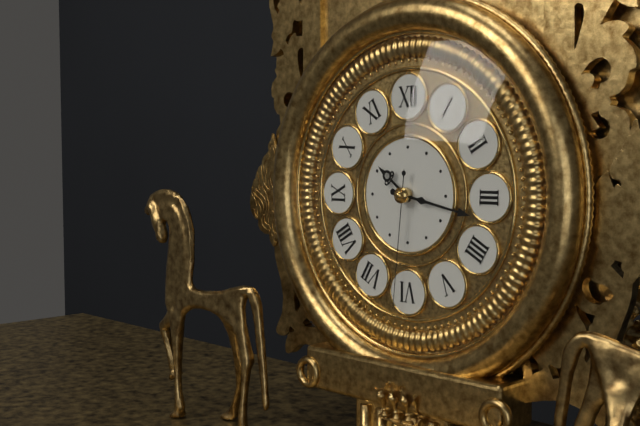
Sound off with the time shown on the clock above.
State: 10:17:31
